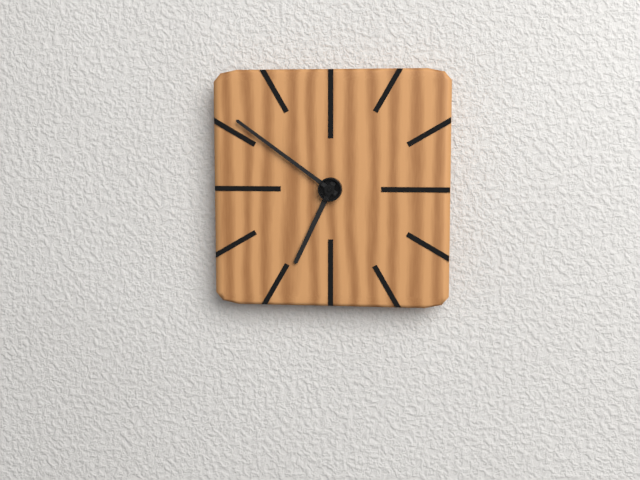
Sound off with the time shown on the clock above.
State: 6:51
